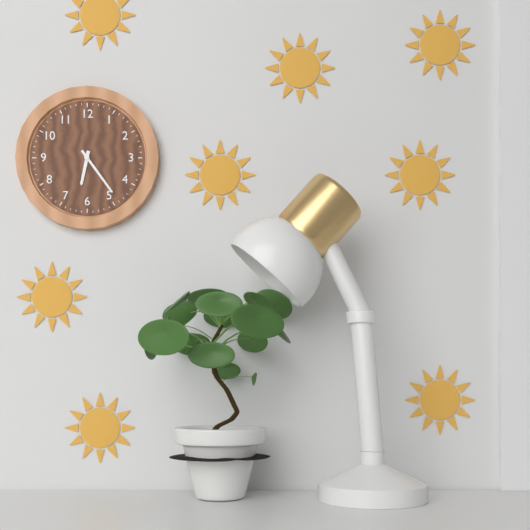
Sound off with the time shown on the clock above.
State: 6:24
